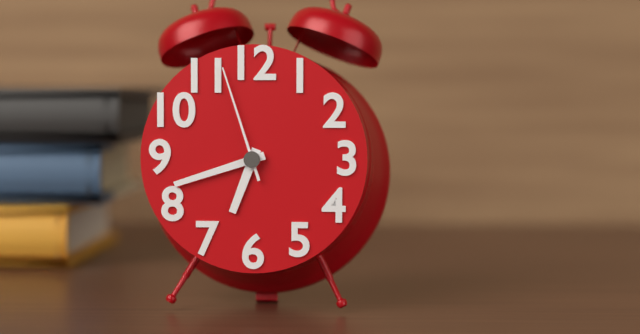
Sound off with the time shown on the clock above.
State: 6:42:57
